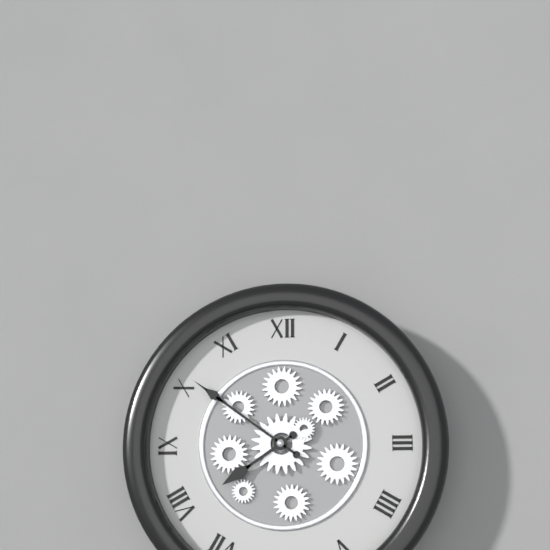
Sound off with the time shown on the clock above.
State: 7:51
